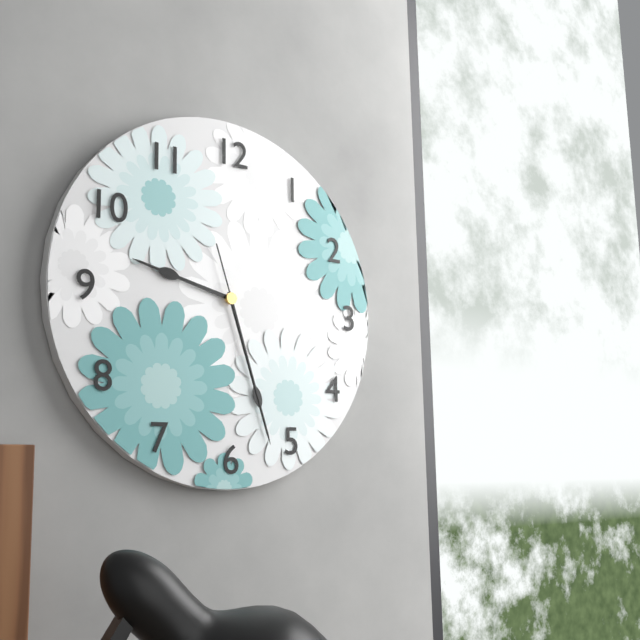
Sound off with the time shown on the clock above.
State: 9:27:27
